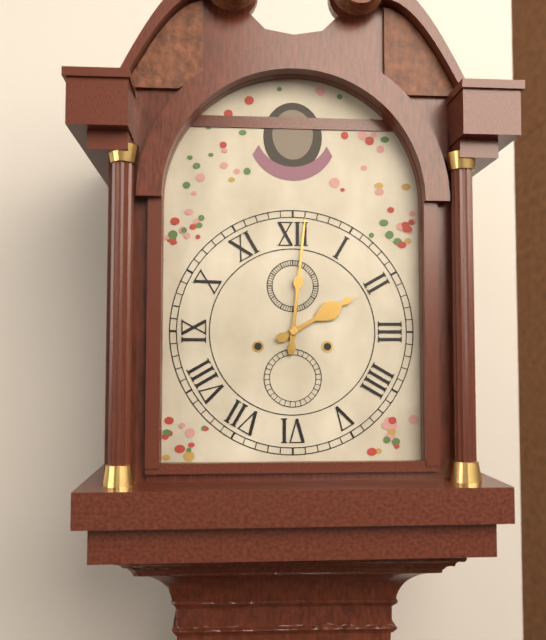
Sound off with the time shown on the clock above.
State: 2:01
